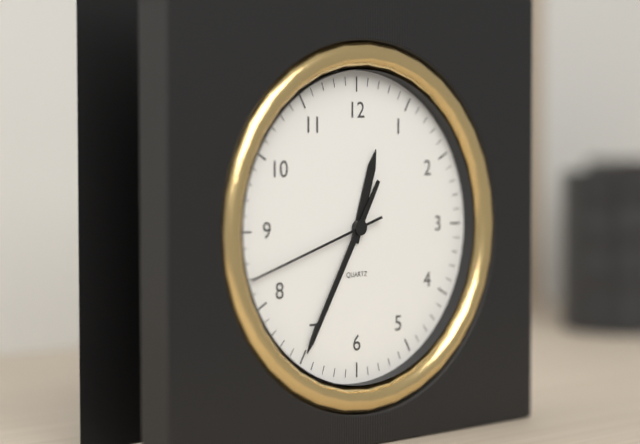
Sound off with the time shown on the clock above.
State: 12:35:42
